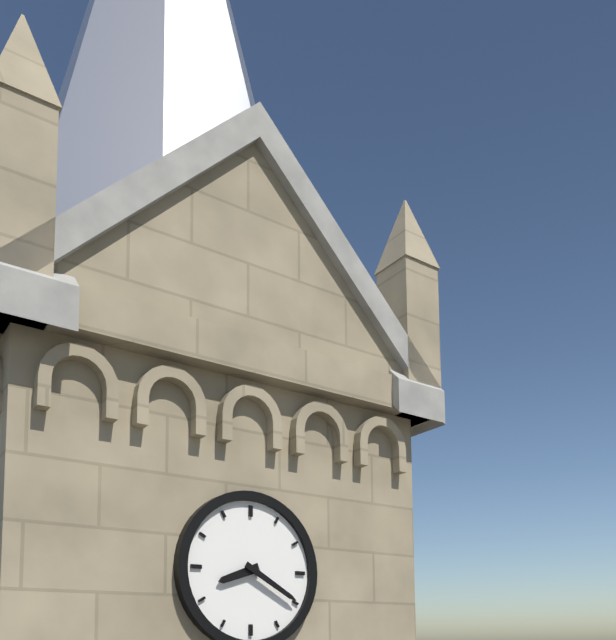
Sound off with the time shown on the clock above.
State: 8:20
